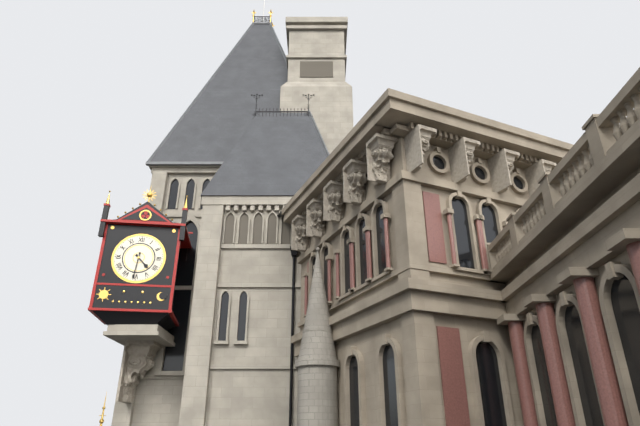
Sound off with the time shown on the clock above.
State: 4:31
